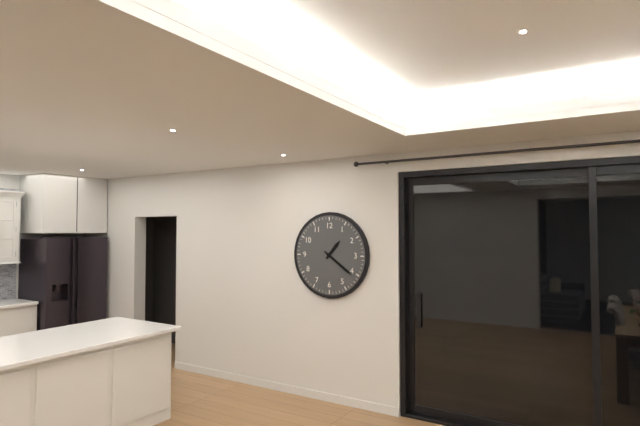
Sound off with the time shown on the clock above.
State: 1:21
